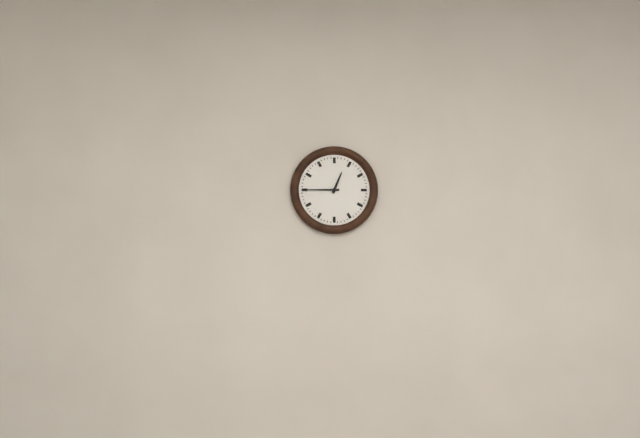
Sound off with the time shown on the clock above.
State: 12:45
